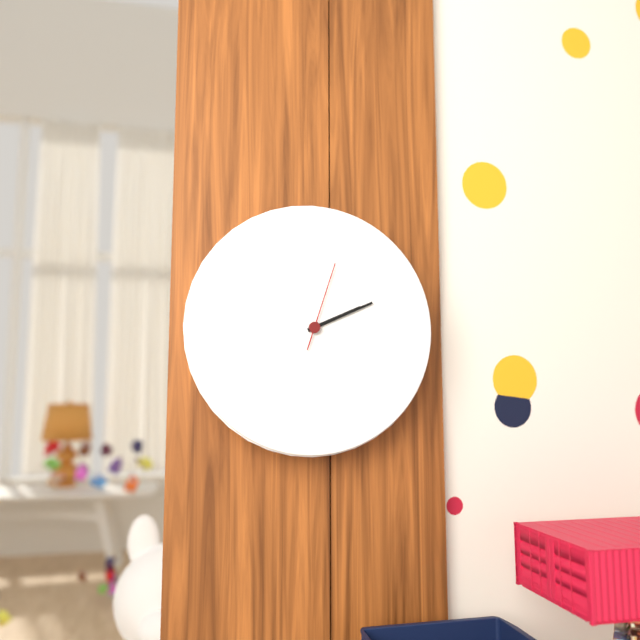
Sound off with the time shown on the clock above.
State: 2:11:03
